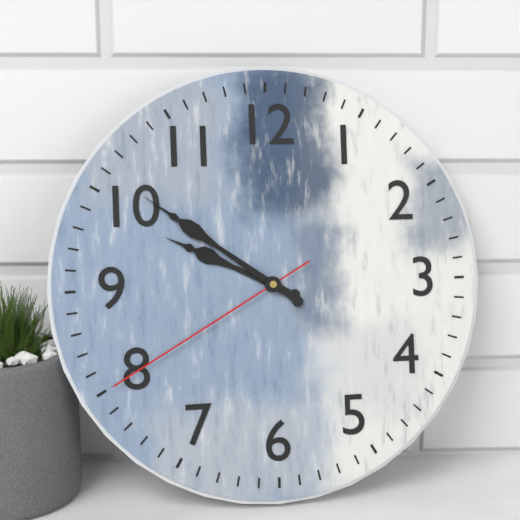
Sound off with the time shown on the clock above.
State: 9:51:40
